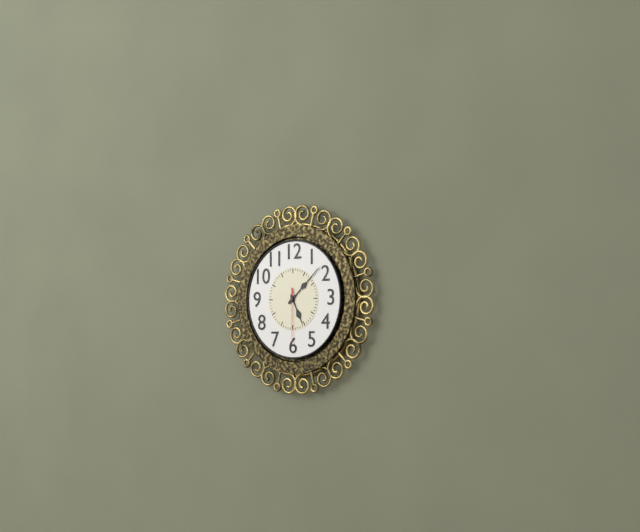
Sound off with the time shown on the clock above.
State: 5:08:30
